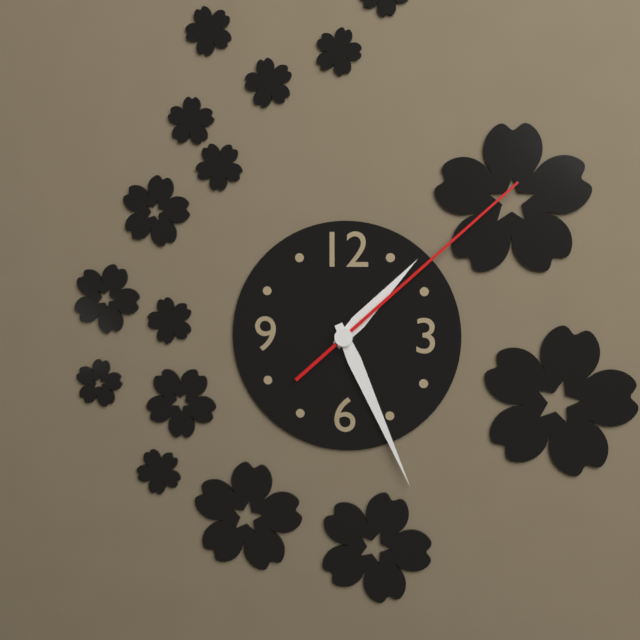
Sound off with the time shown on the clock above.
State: 1:26:08
